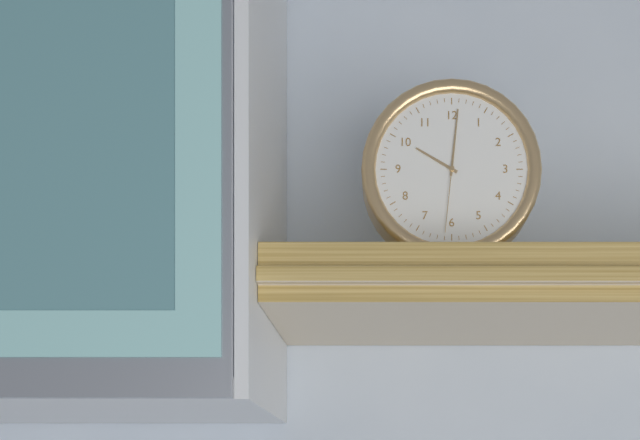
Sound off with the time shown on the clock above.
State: 10:01:31
